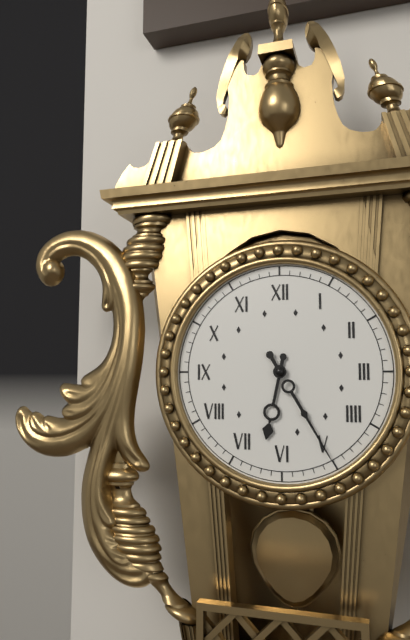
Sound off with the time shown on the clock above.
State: 6:25
